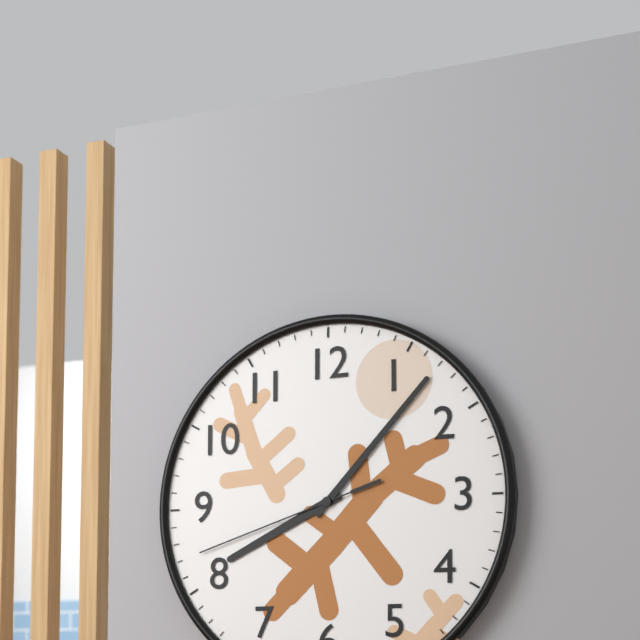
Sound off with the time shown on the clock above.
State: 8:07:42
